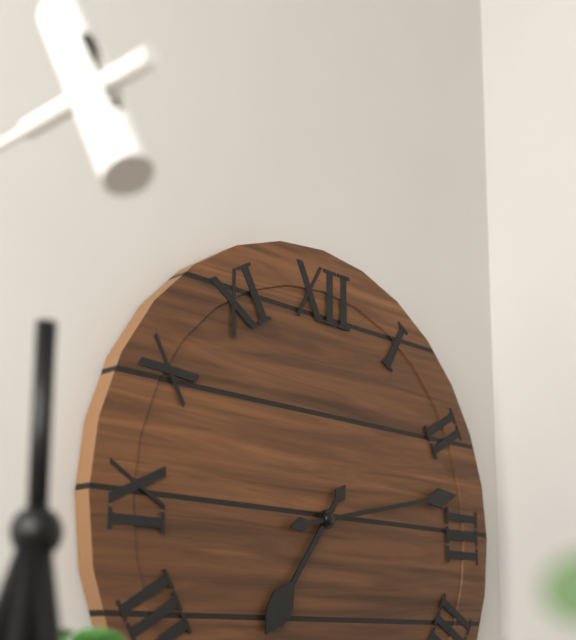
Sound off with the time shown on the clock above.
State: 7:13
